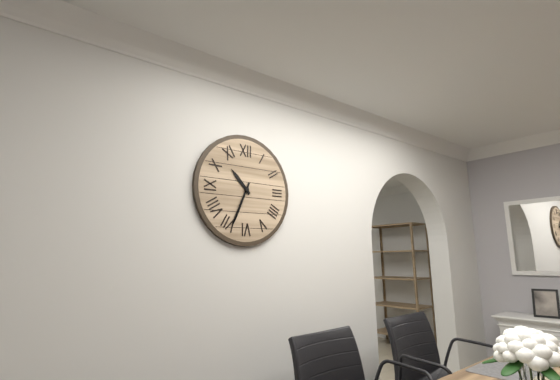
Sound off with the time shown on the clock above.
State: 10:34
